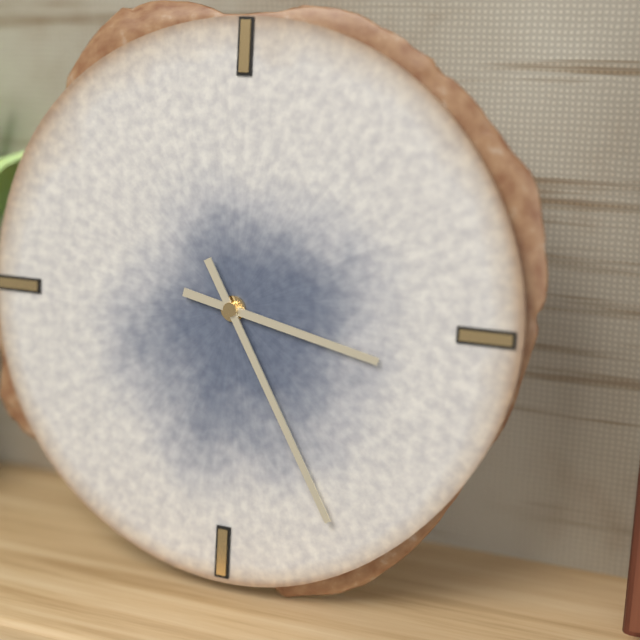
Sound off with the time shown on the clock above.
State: 3:25
